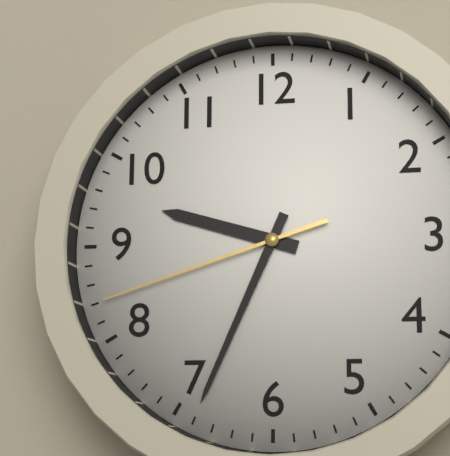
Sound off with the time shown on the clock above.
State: 9:34:42
